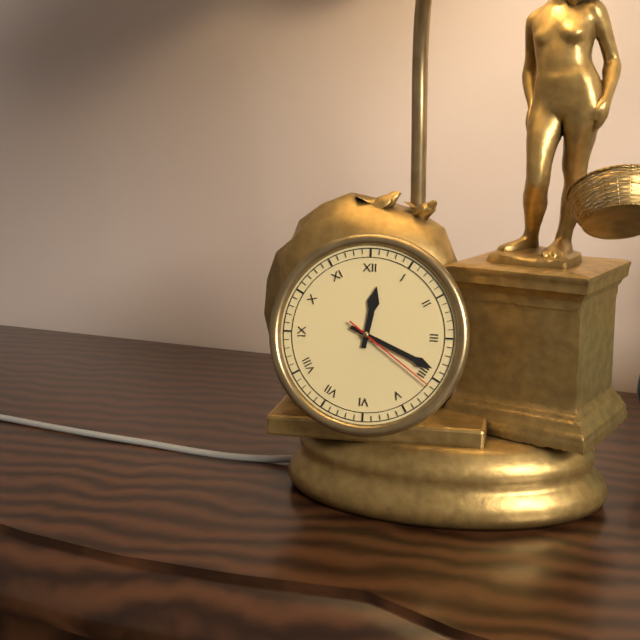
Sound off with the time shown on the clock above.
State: 12:19:21
